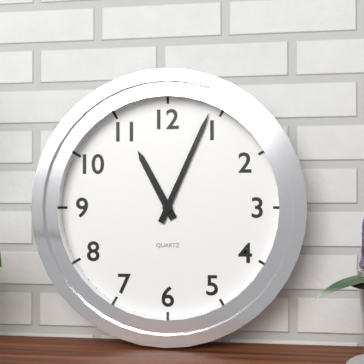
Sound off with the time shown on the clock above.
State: 11:04
